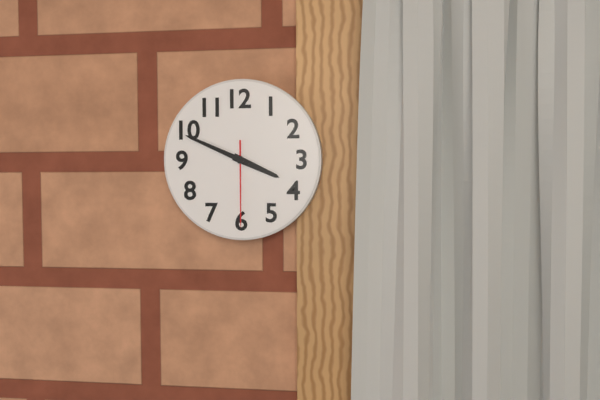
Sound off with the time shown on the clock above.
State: 3:49:30
